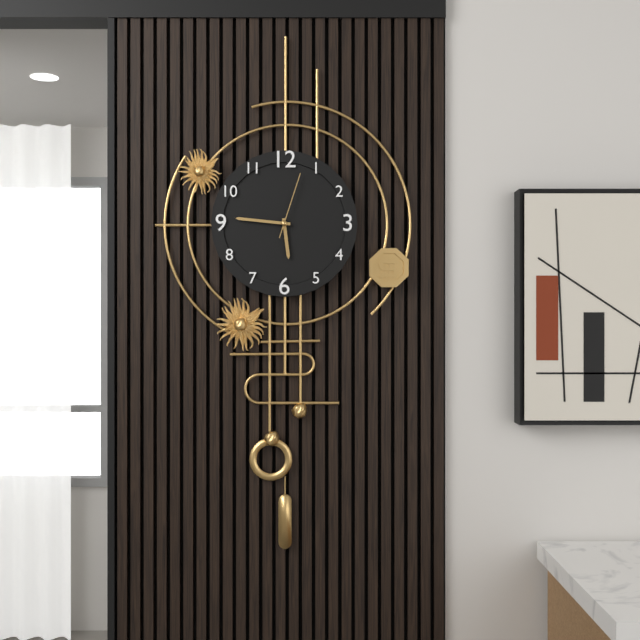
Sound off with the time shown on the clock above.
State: 5:46:03
